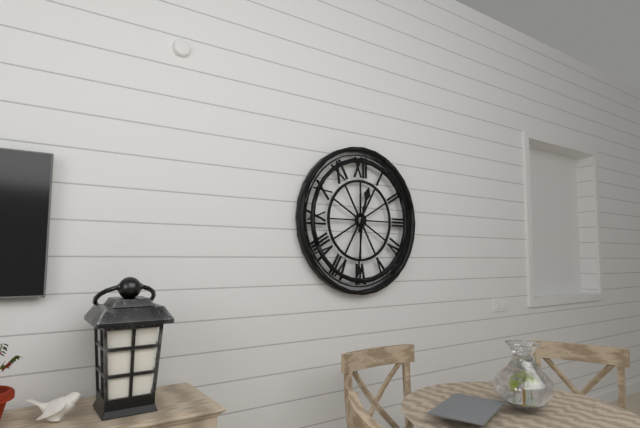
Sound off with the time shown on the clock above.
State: 12:31
